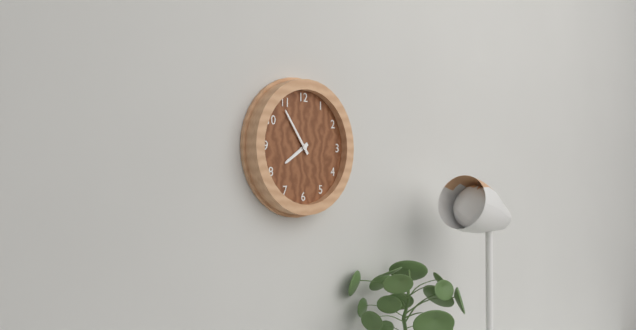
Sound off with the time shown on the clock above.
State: 7:54
